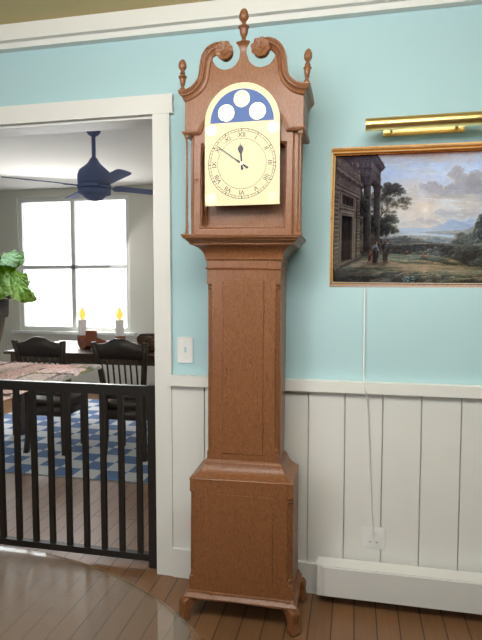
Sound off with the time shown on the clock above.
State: 11:51
